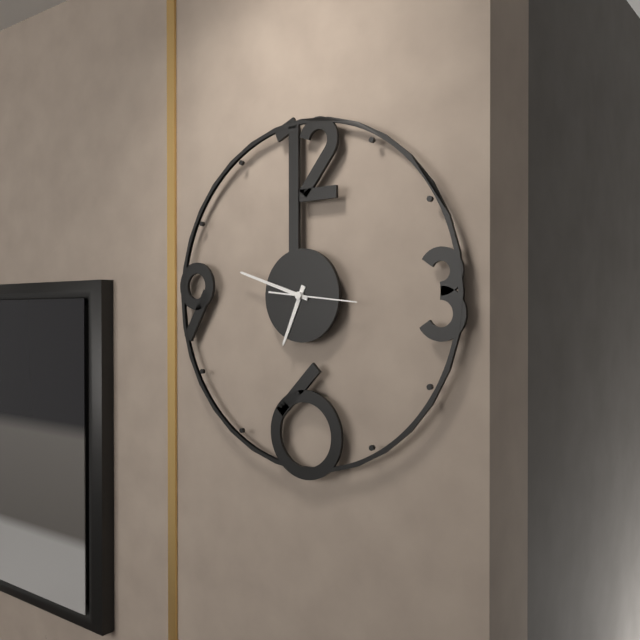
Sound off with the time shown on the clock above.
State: 6:48:16
